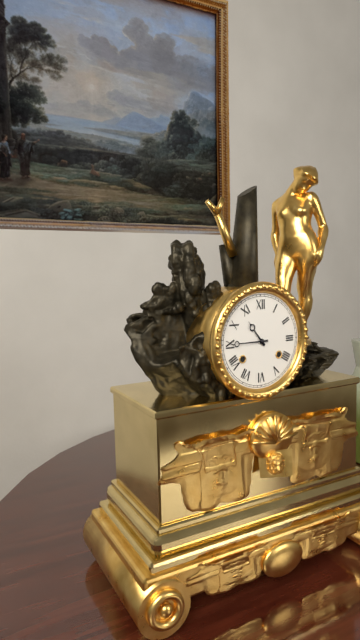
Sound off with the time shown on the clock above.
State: 10:45
